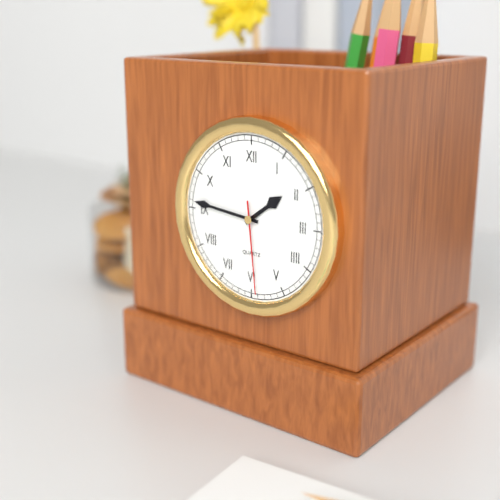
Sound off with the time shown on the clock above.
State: 1:46:29
